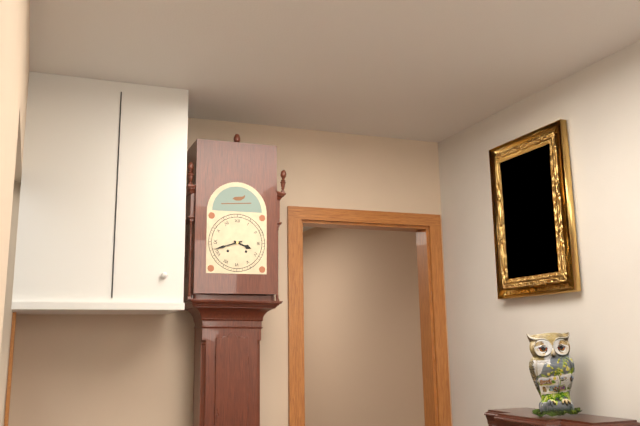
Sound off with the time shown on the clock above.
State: 3:42
